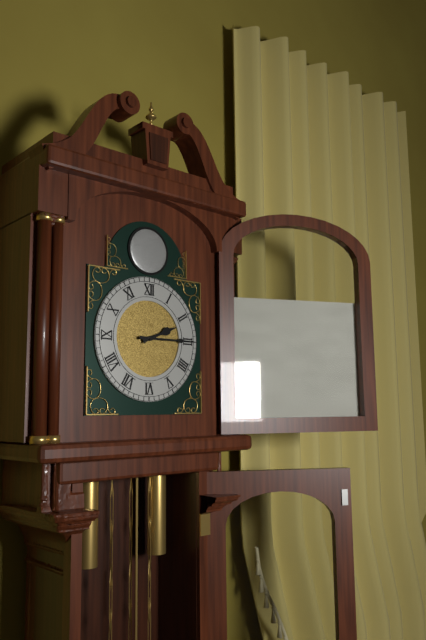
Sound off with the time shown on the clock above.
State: 2:15
